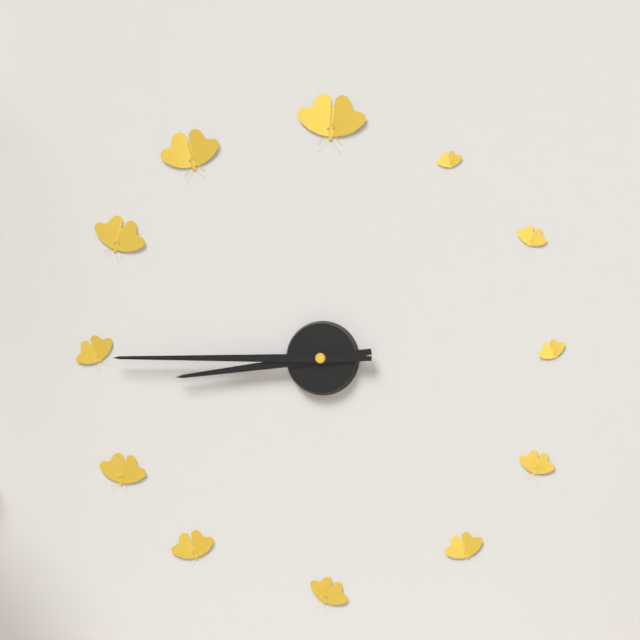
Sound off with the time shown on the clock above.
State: 8:45
